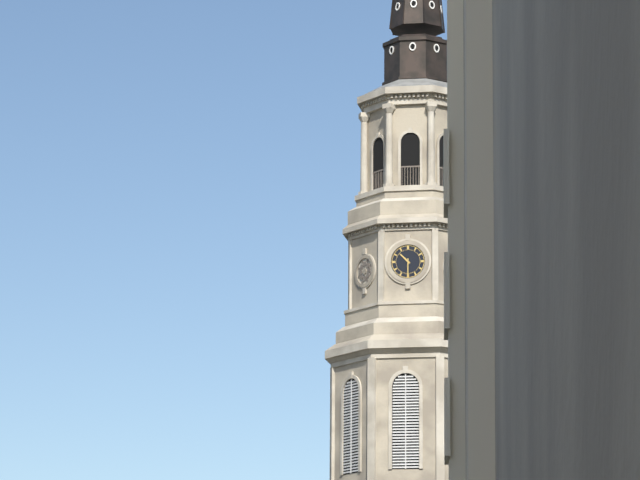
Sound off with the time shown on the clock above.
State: 10:30
